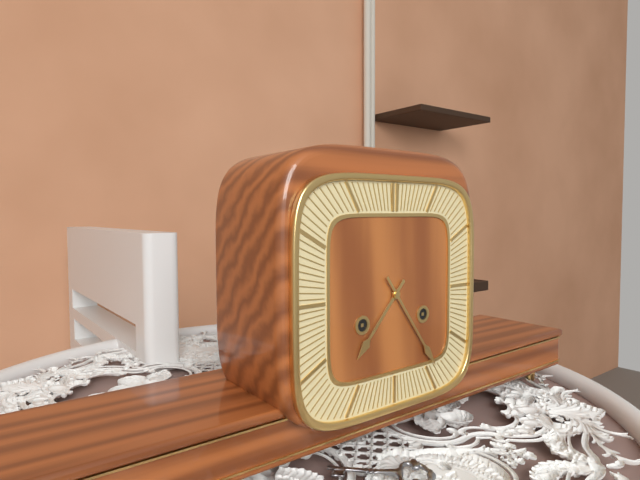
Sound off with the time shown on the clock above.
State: 7:24
